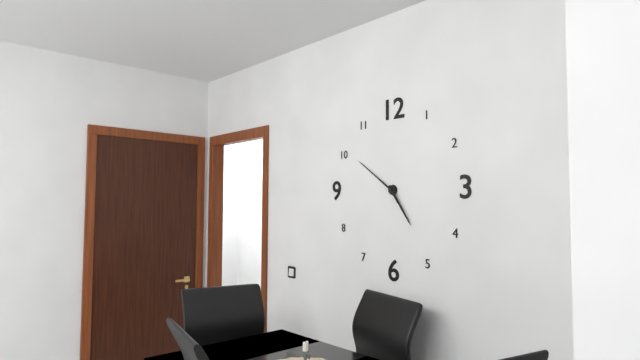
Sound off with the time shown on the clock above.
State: 4:51
